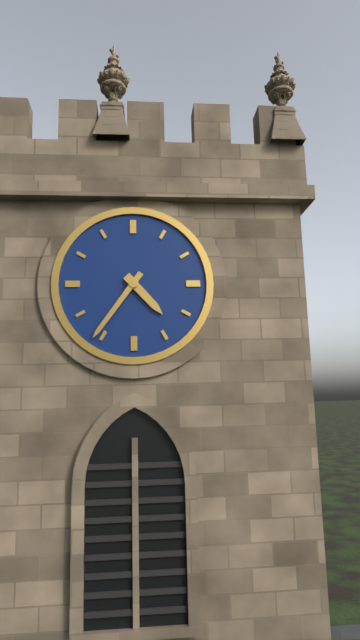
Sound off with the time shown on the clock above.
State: 4:36
